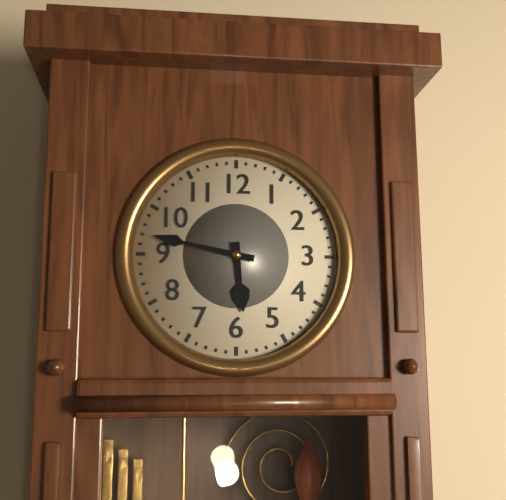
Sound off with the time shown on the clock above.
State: 5:47
